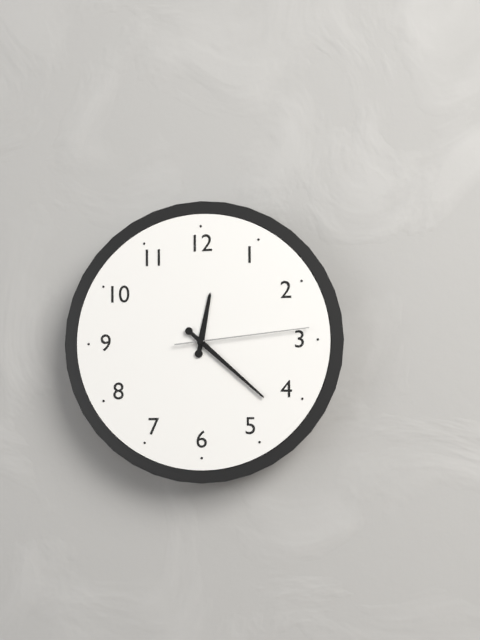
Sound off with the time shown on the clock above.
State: 12:22:14
